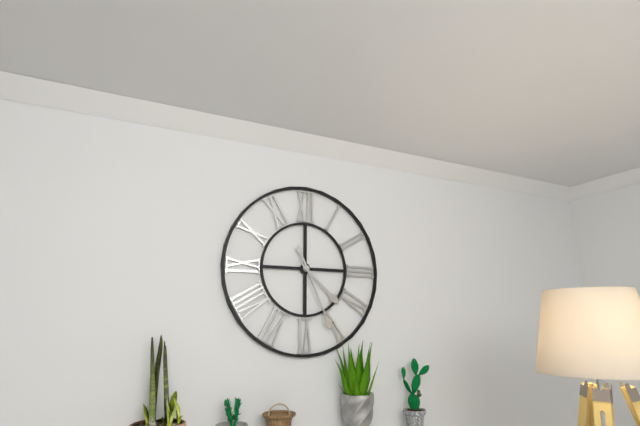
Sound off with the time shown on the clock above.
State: 4:26
